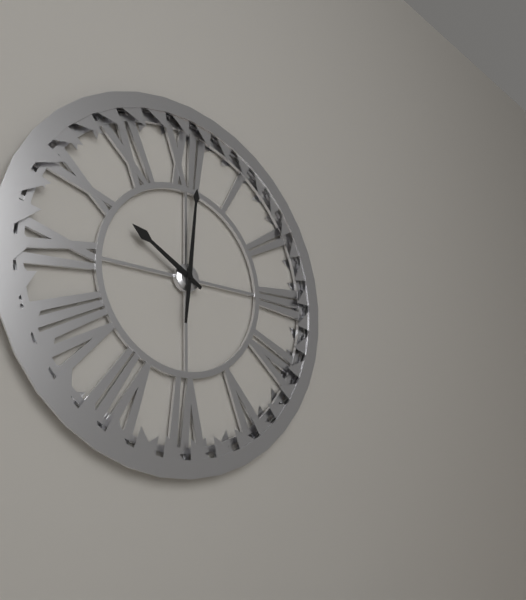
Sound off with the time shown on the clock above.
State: 10:01
